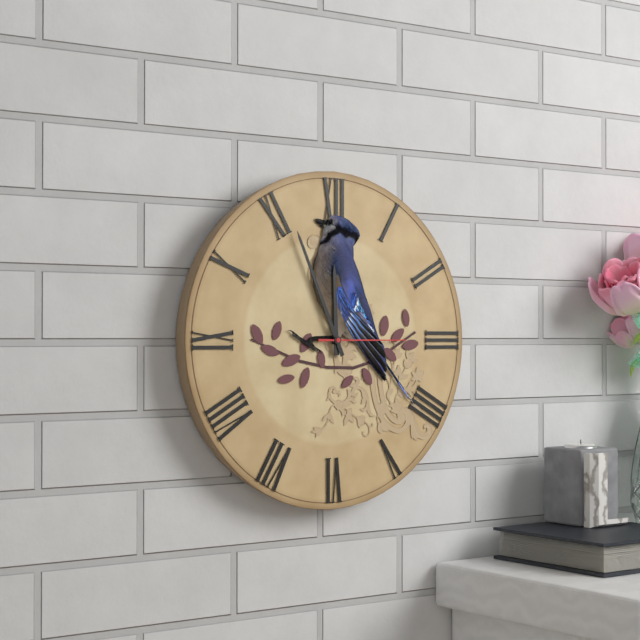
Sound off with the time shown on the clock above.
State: 11:56:15
